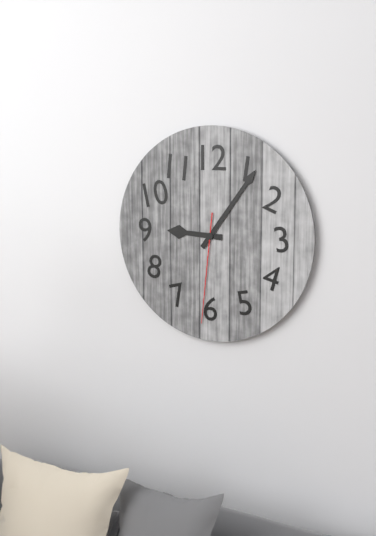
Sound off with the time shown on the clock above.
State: 9:06:31
